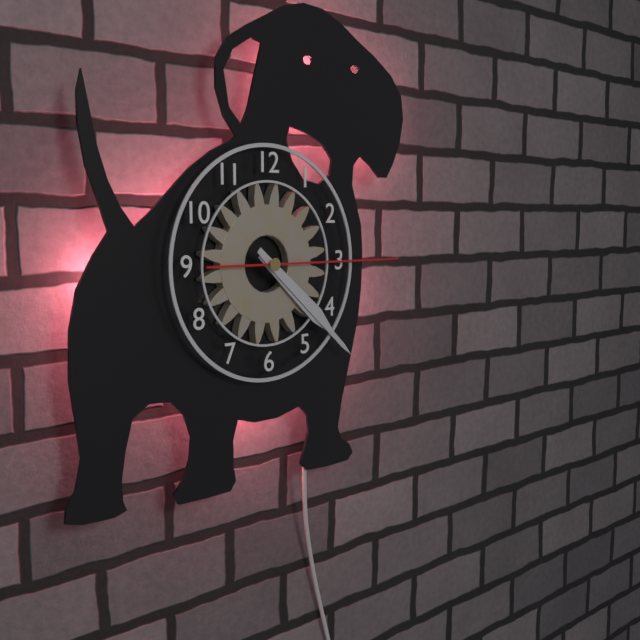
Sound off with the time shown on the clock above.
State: 4:22:15
